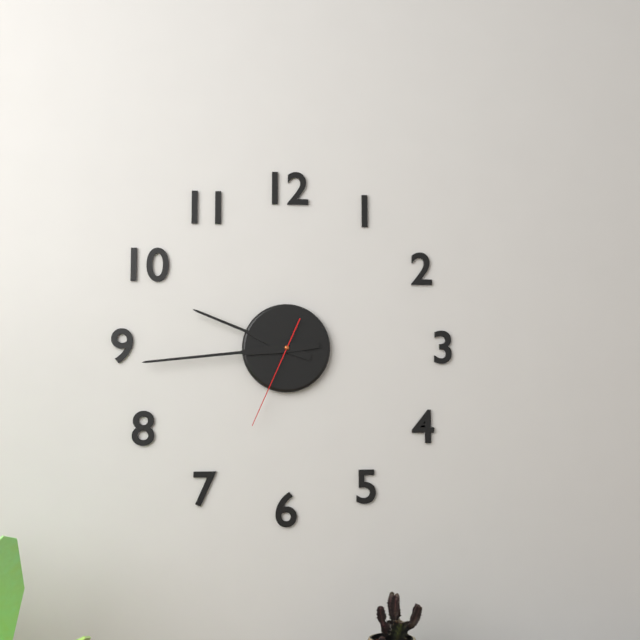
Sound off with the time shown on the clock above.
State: 9:44:34
